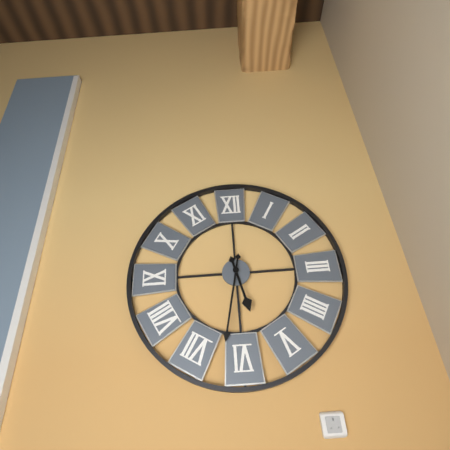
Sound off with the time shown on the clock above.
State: 5:32
